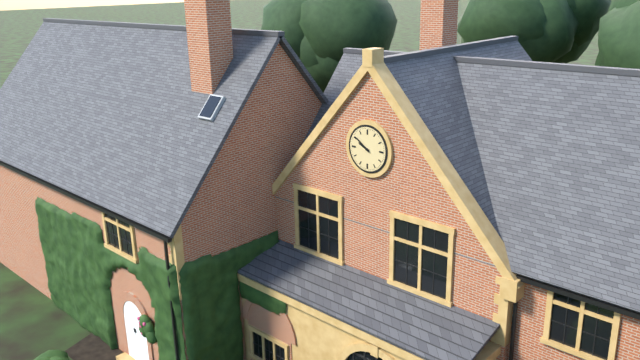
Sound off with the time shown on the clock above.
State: 9:51
